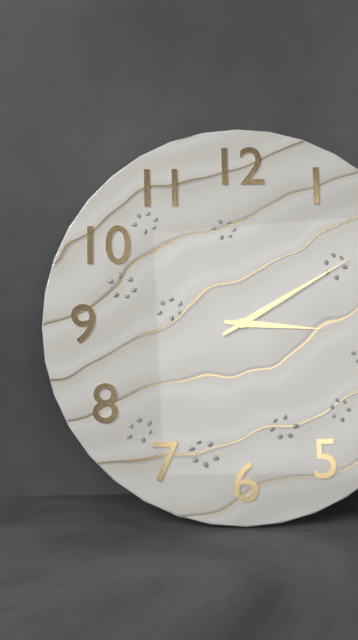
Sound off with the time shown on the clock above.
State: 3:10
